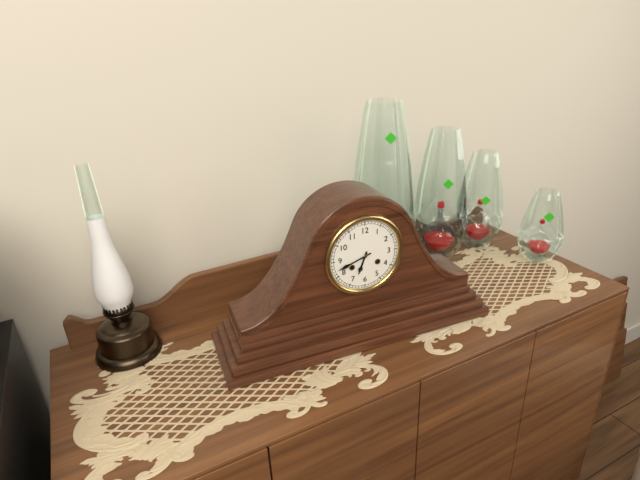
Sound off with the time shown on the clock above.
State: 6:42
